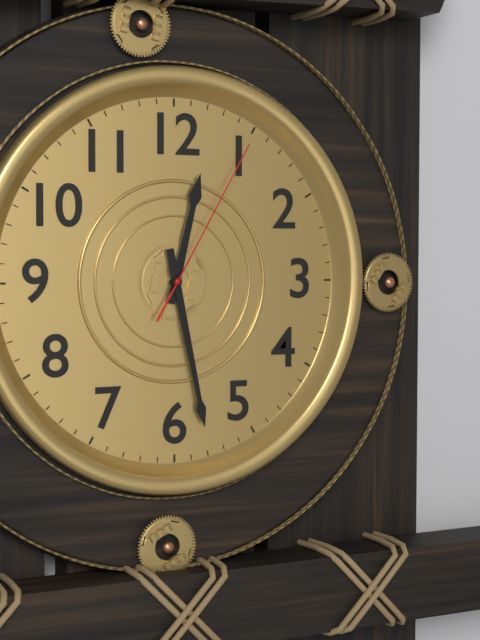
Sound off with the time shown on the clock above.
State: 12:28:05
